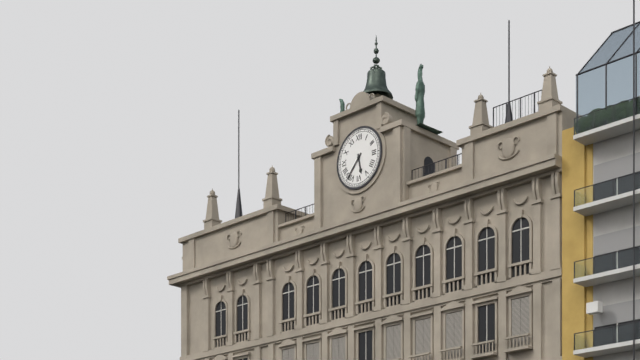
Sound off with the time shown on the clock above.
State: 5:37
